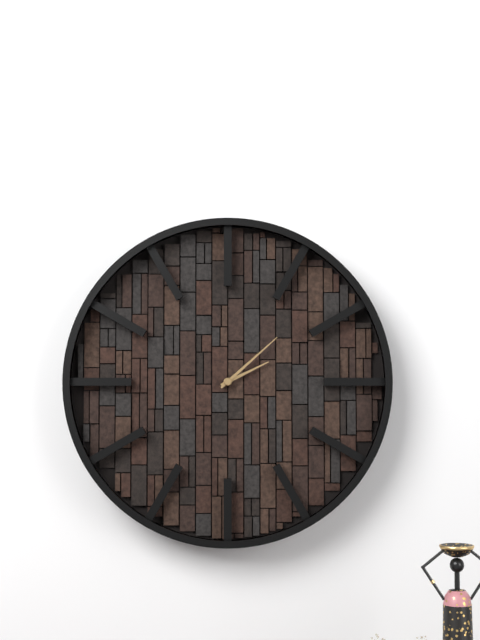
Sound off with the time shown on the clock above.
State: 2:08
